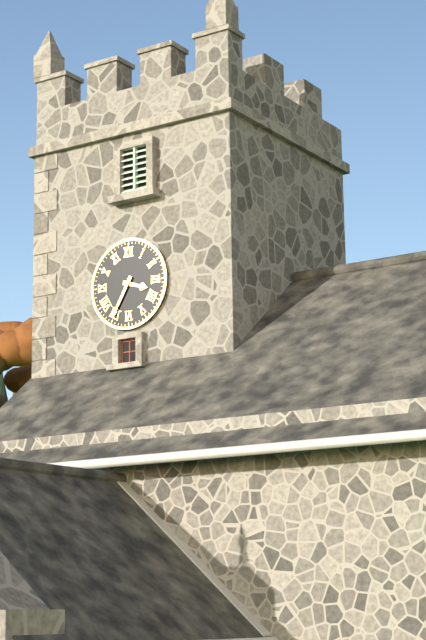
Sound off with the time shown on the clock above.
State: 3:35
